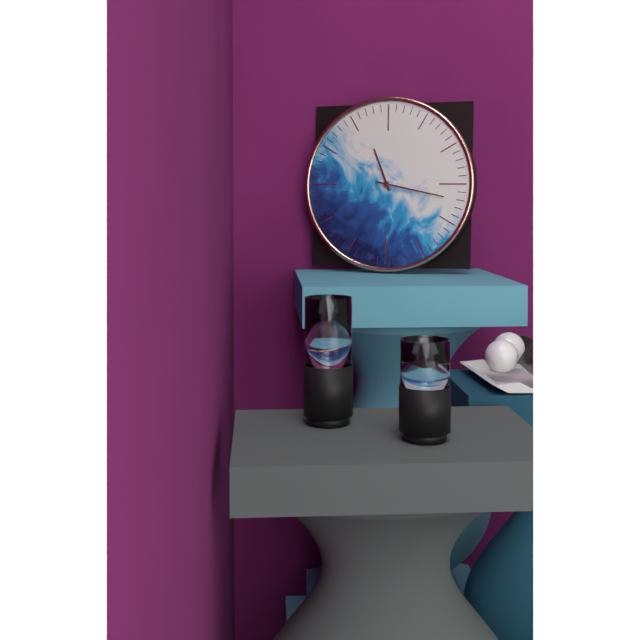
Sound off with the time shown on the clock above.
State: 11:17
